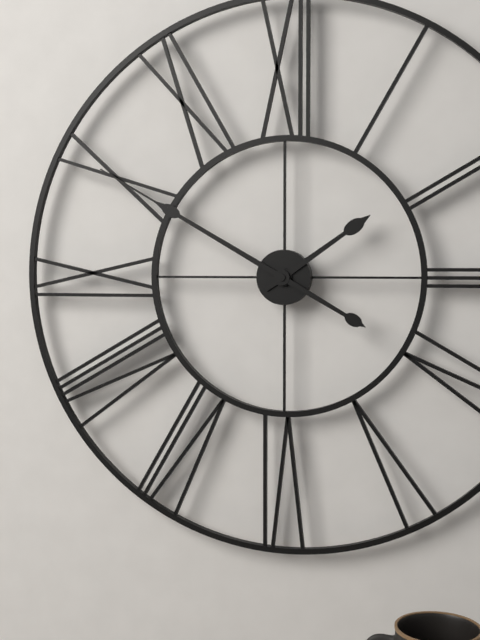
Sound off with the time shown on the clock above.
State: 1:50
